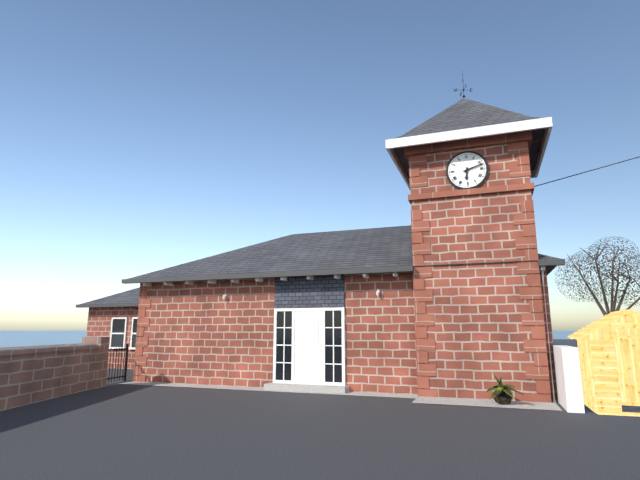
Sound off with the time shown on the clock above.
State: 6:12
